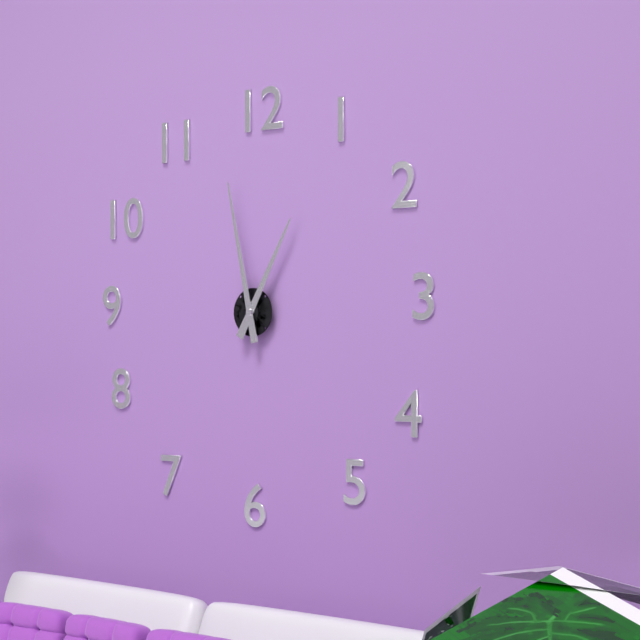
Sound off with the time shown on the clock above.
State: 12:58
